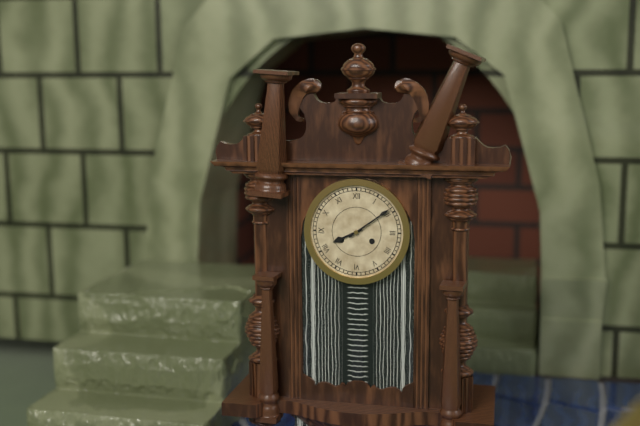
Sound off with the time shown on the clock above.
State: 8:09
